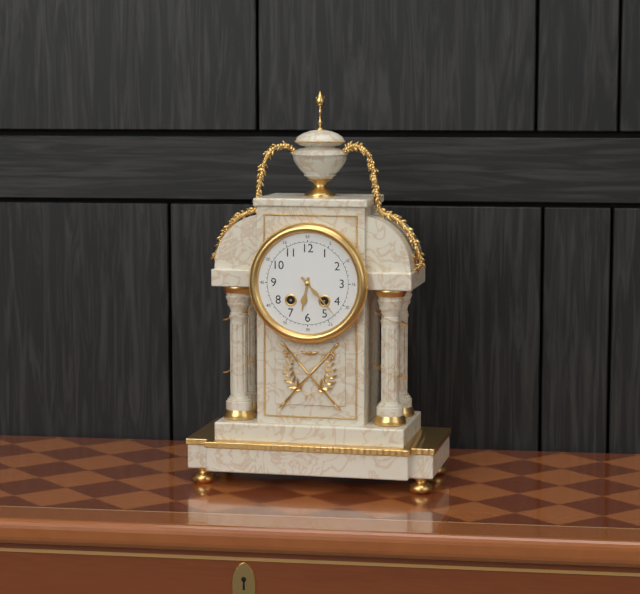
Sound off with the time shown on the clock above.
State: 6:23
